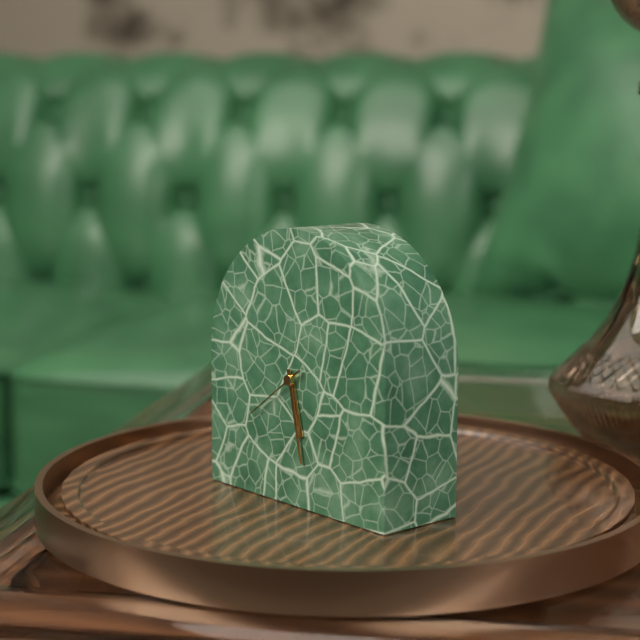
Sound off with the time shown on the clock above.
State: 5:28:39
